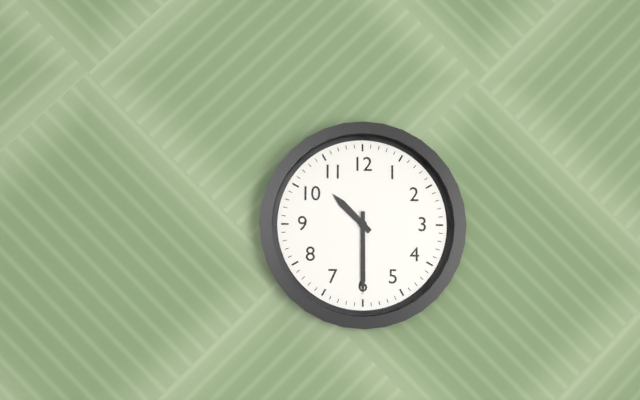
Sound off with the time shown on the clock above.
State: 10:30
